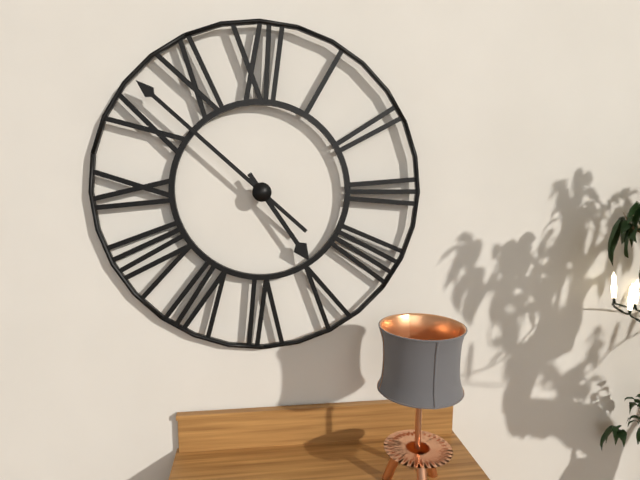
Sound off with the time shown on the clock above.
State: 4:52
